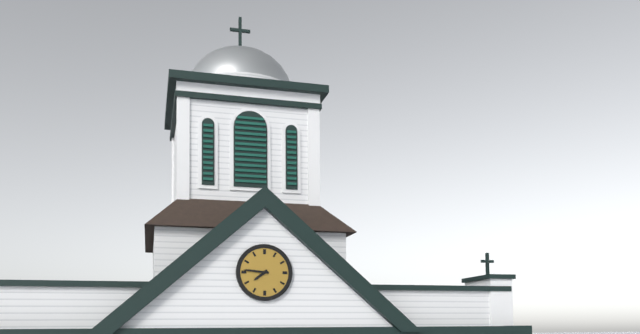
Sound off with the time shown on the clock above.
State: 7:46
